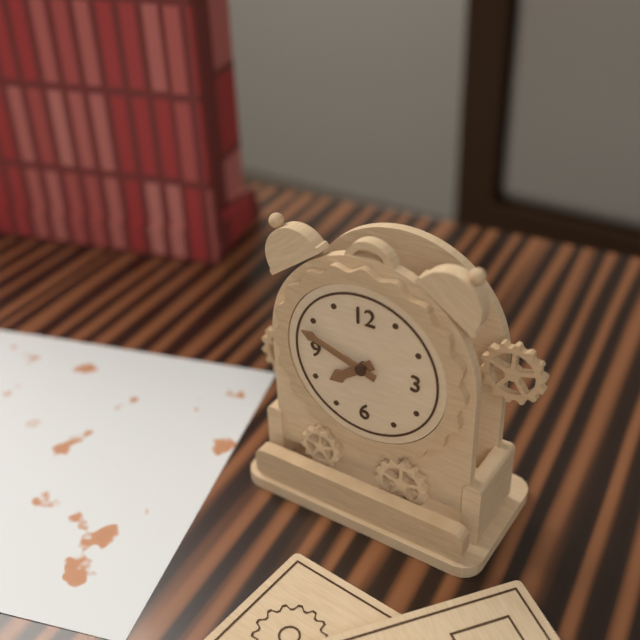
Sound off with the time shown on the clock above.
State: 7:48
